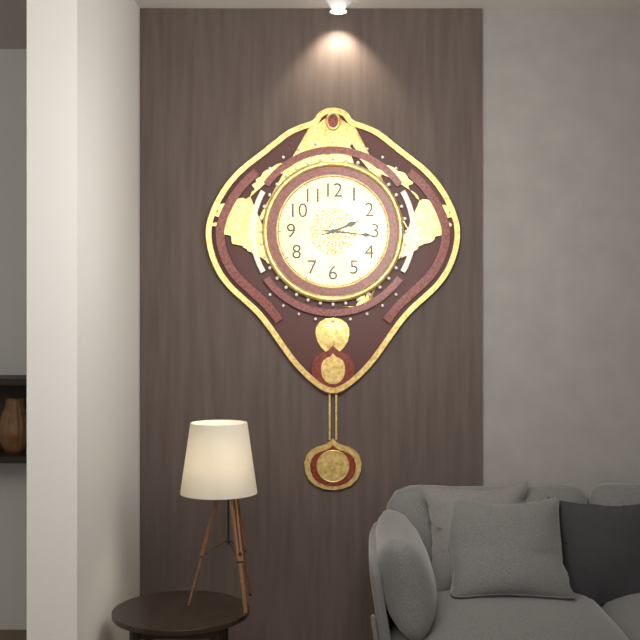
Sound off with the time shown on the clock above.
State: 2:16:12
